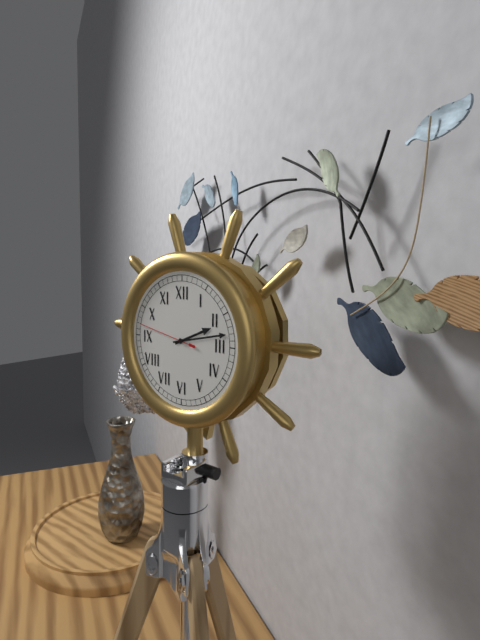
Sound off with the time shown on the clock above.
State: 2:13:47
